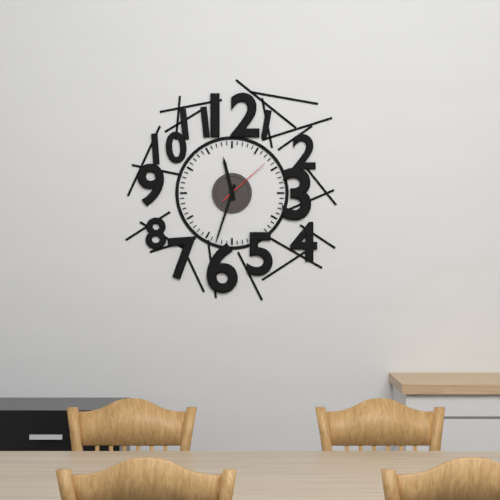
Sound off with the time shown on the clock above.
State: 11:33:08
